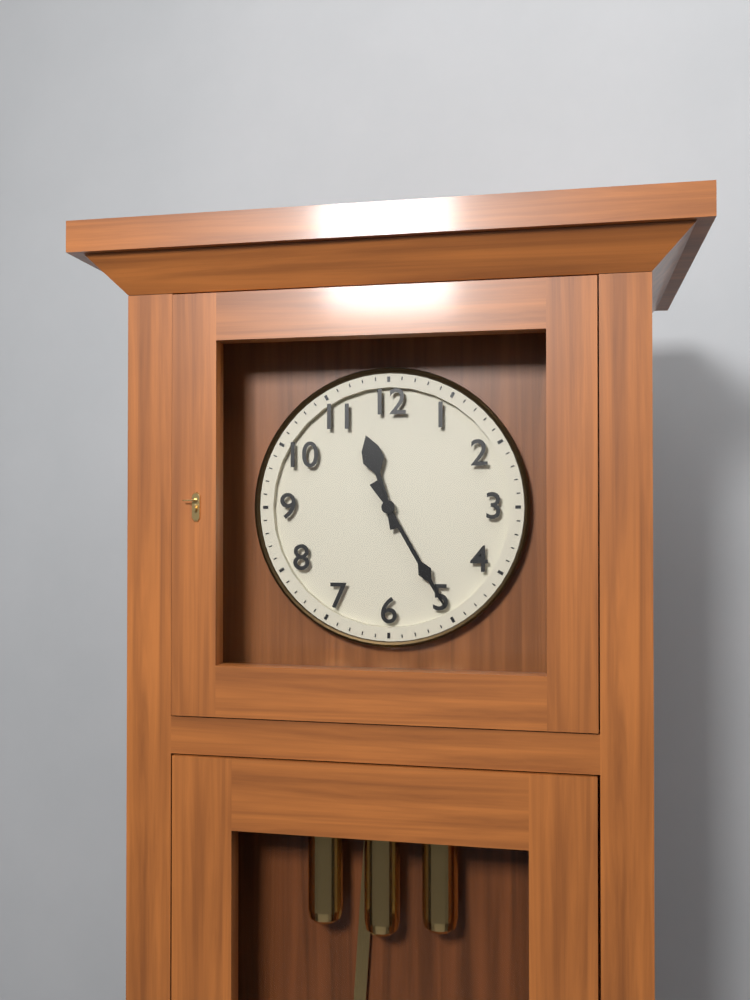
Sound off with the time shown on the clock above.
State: 11:25
